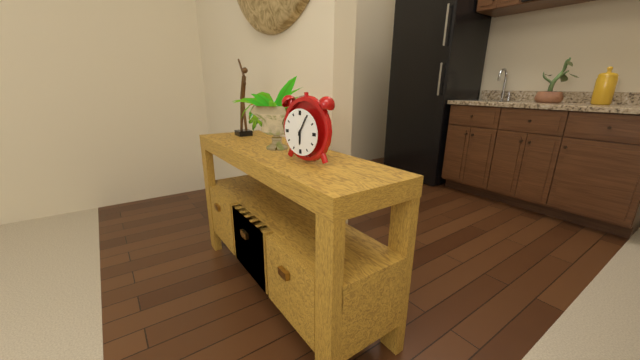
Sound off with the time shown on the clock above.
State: 6:05
